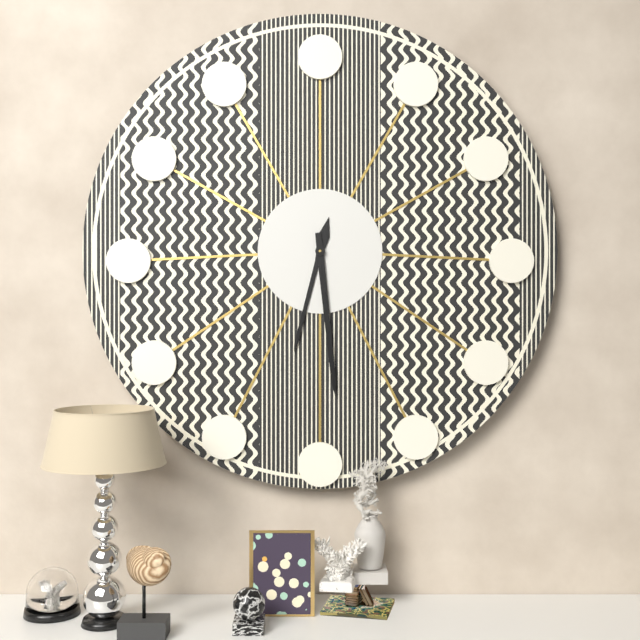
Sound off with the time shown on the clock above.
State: 6:29
